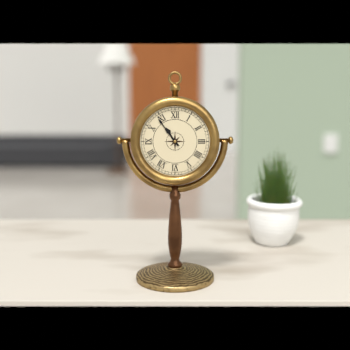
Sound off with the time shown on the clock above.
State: 10:54
